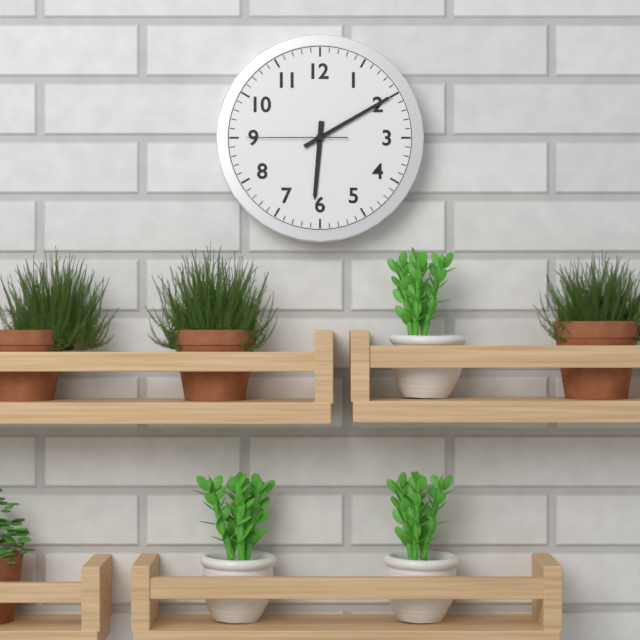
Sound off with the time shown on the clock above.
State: 6:10:45
